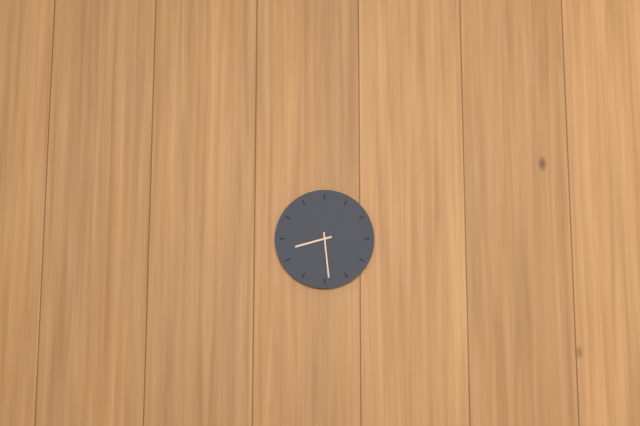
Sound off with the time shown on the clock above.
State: 8:29
